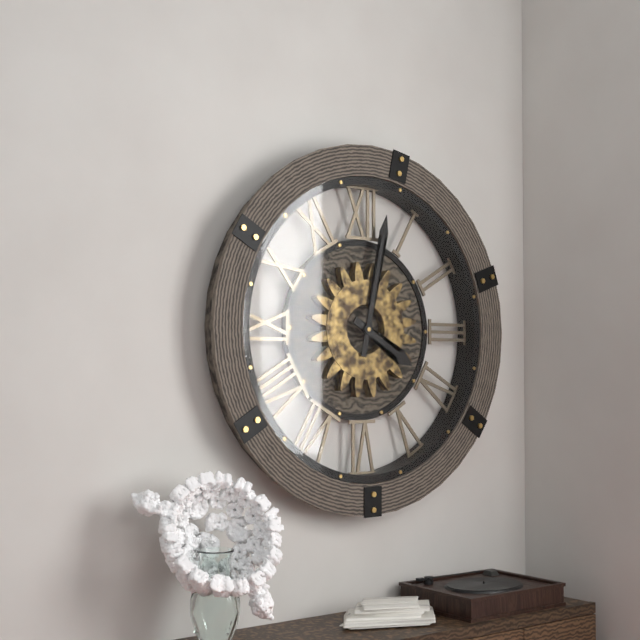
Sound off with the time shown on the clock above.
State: 4:02
